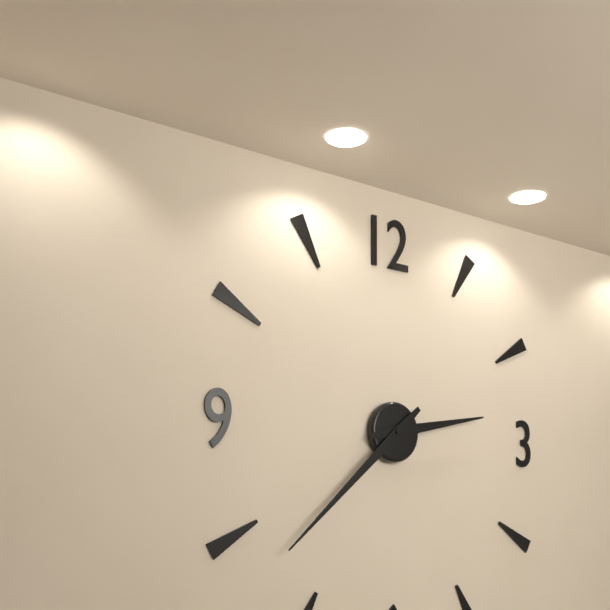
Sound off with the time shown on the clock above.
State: 2:38
